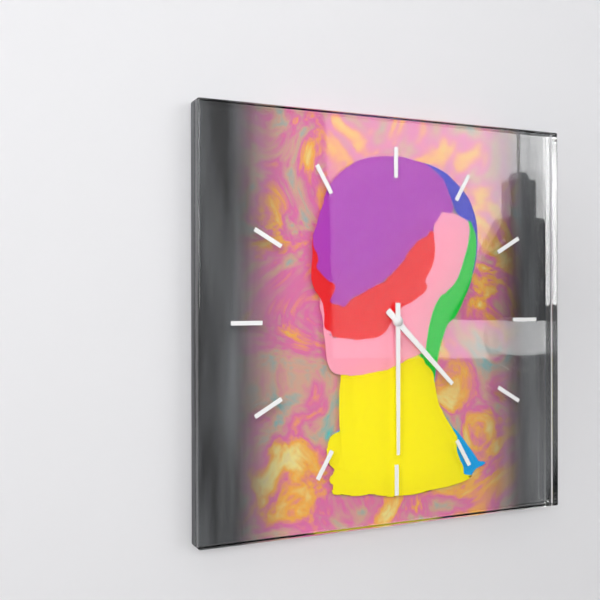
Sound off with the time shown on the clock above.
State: 4:30
